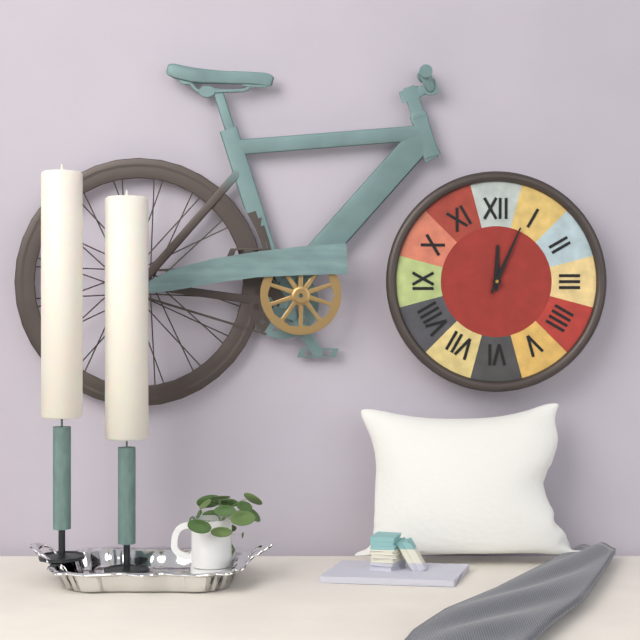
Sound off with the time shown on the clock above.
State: 12:04
